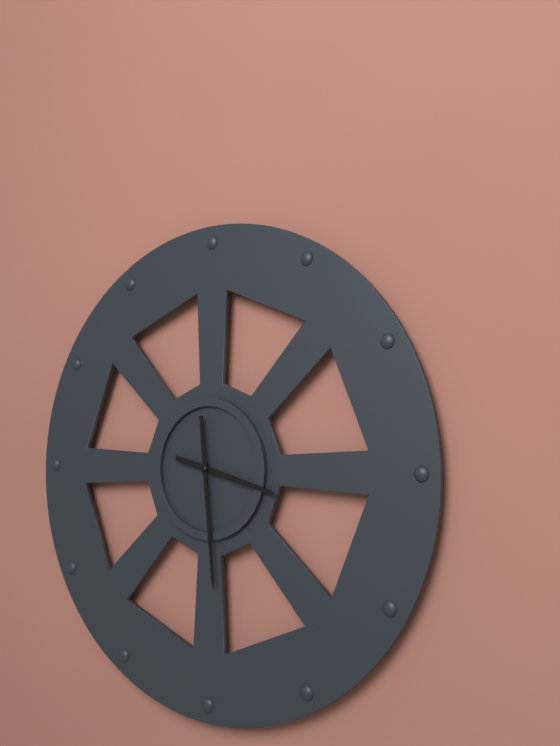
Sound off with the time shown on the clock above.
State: 3:29
